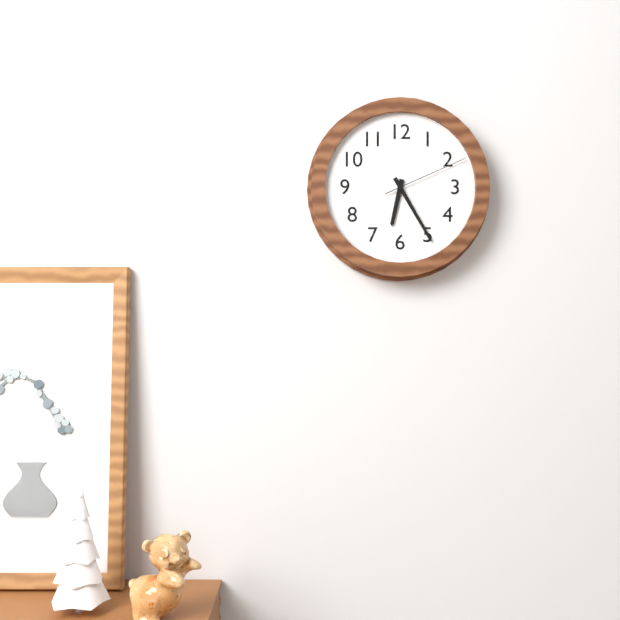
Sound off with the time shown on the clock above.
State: 6:25:11
